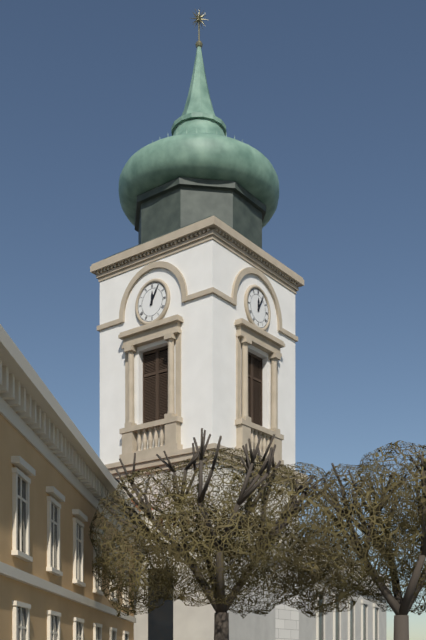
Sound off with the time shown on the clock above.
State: 12:05
